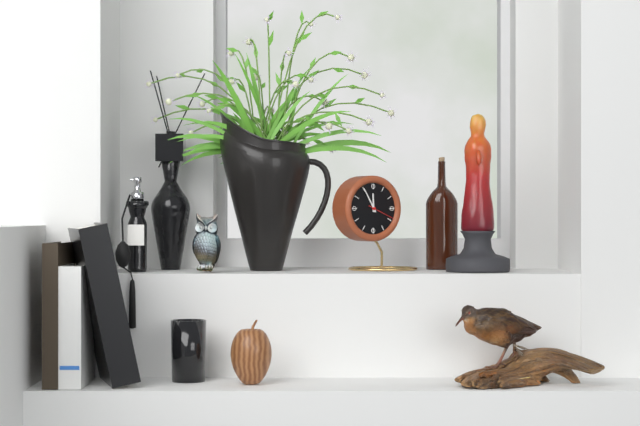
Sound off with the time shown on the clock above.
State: 11:55
